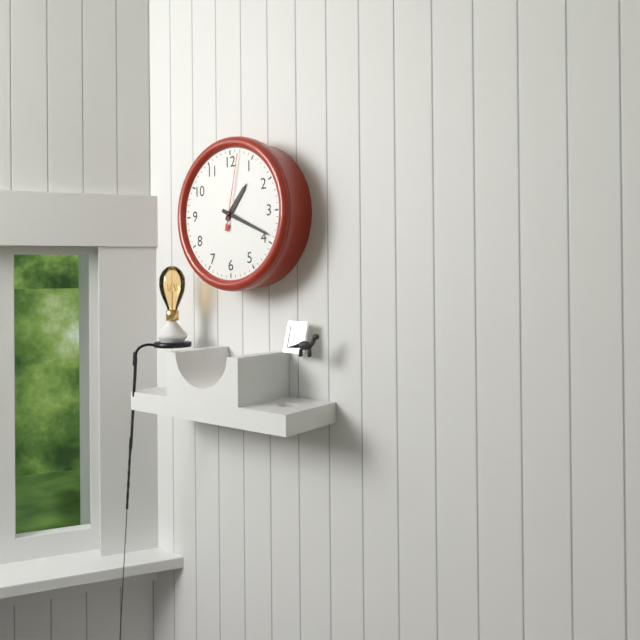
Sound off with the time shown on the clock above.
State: 1:19:02
